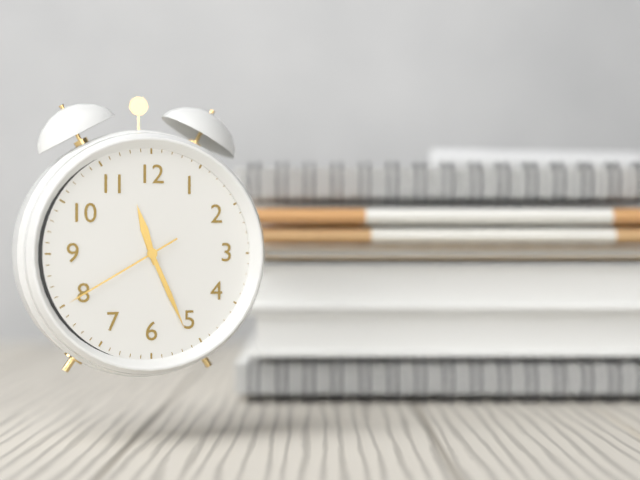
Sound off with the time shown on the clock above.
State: 11:26:40
